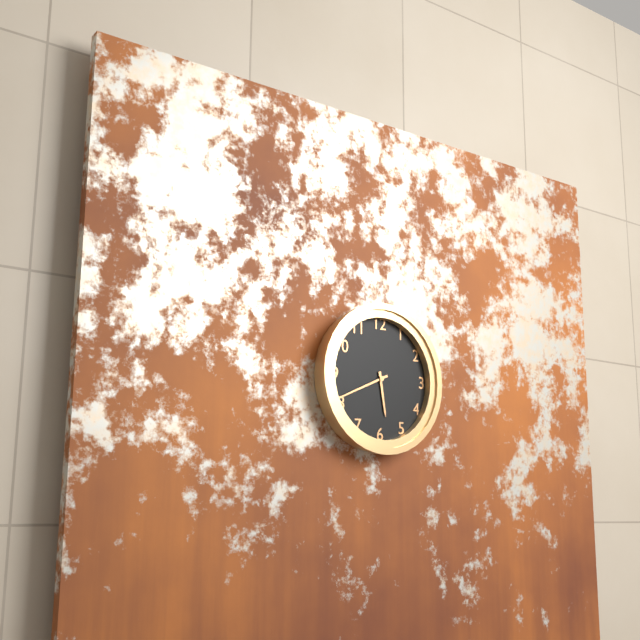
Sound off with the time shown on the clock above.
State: 5:41
